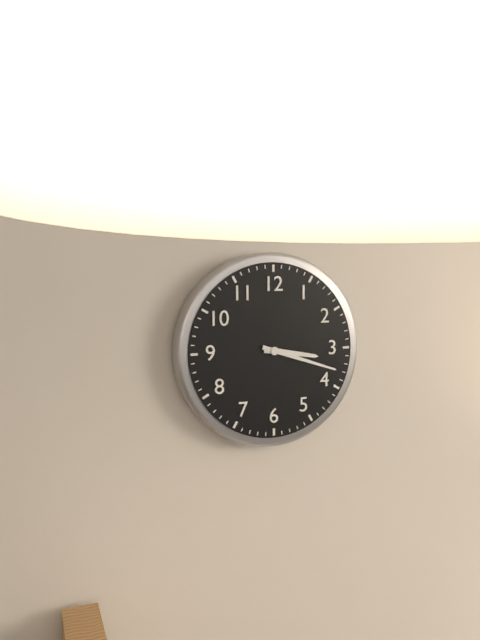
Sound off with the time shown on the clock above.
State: 3:18
